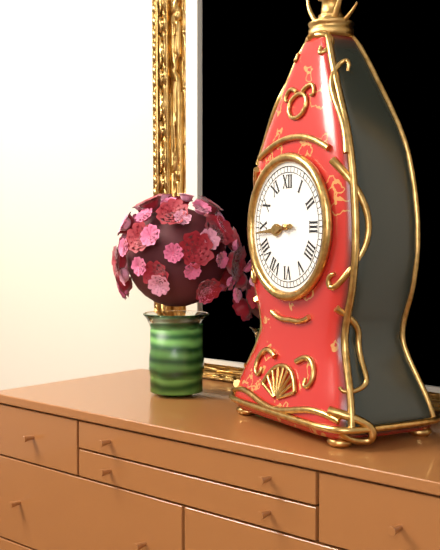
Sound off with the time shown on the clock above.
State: 8:44
